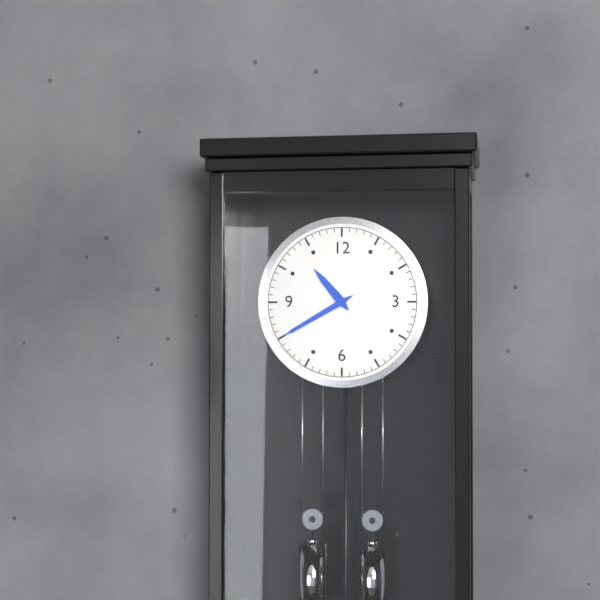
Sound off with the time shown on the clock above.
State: 10:40
